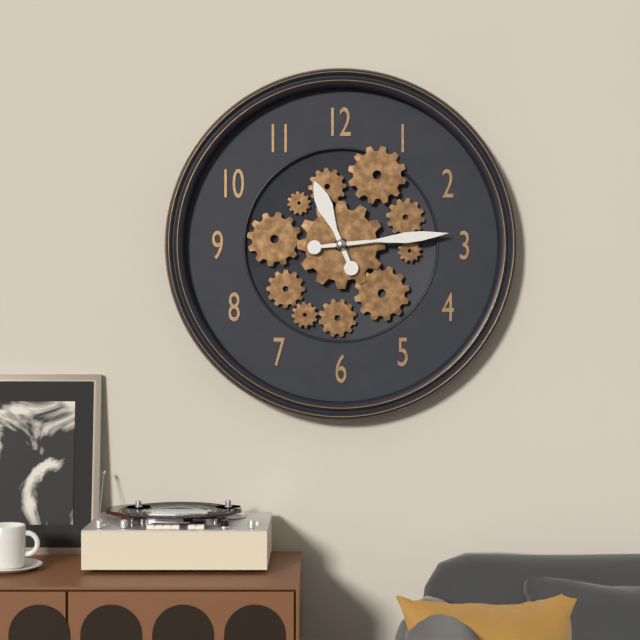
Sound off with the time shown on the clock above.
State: 11:14
